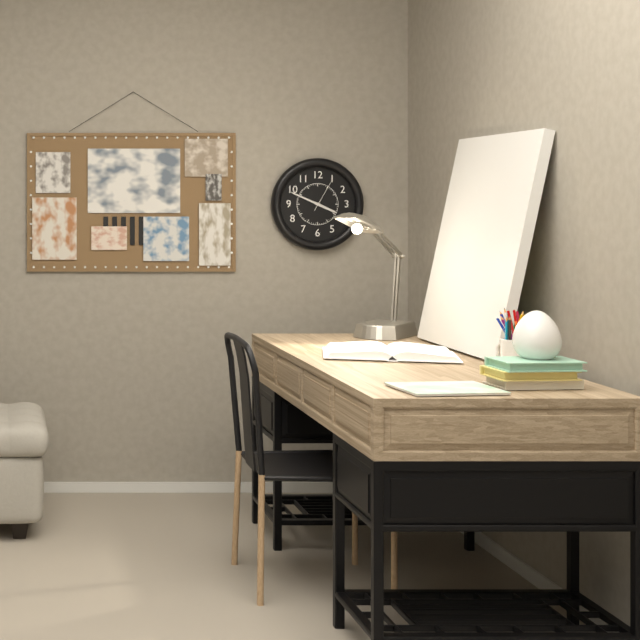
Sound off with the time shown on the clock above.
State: 3:49
